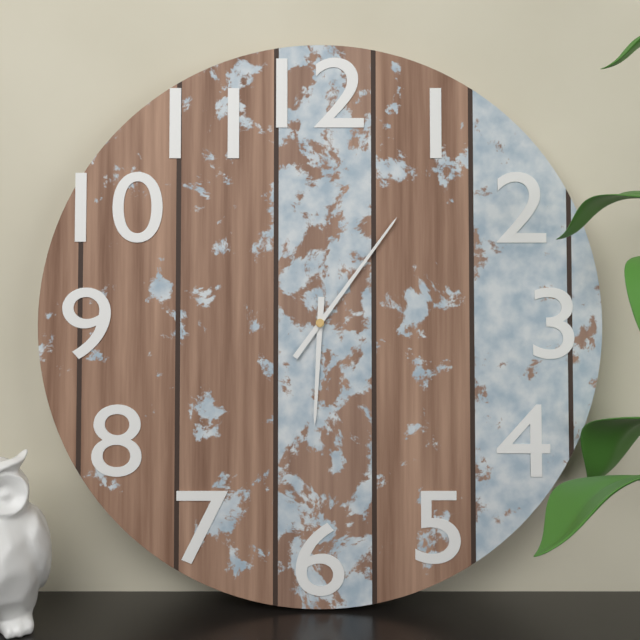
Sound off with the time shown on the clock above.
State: 6:06
